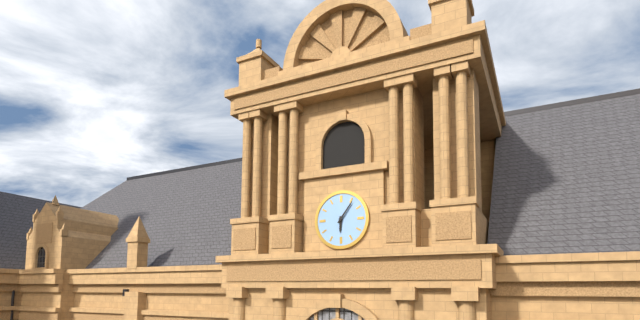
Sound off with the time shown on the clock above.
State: 6:06
